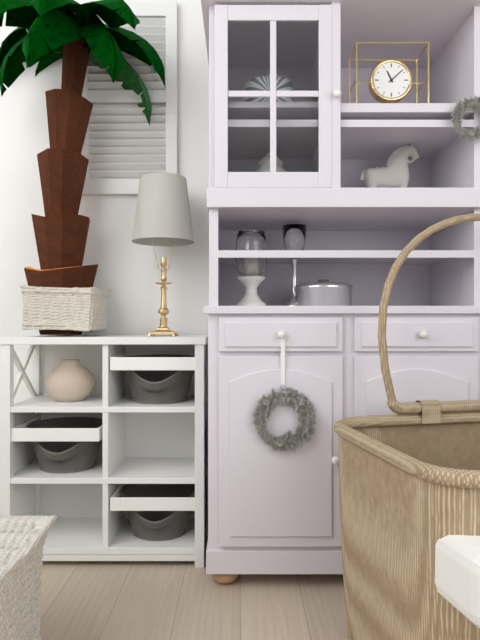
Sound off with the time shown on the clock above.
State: 11:08
